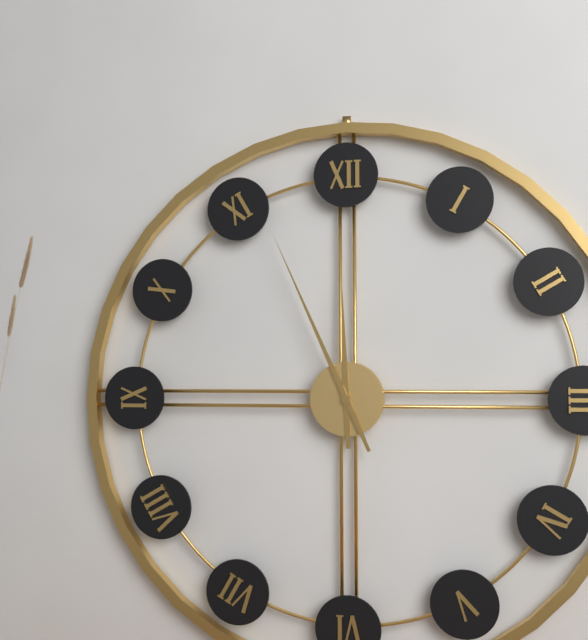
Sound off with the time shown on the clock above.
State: 11:56
